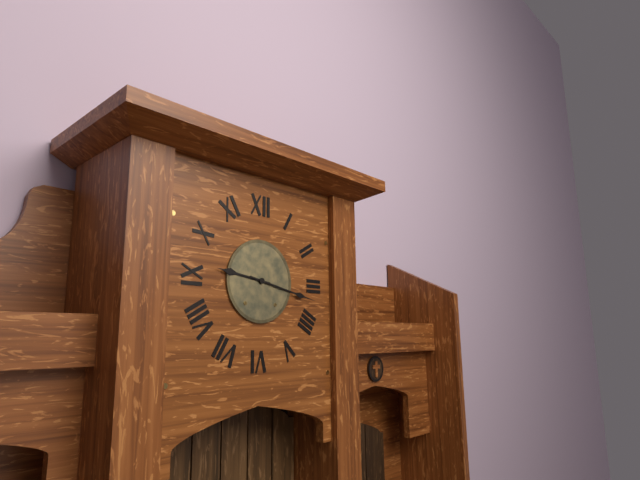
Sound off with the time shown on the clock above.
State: 9:17
